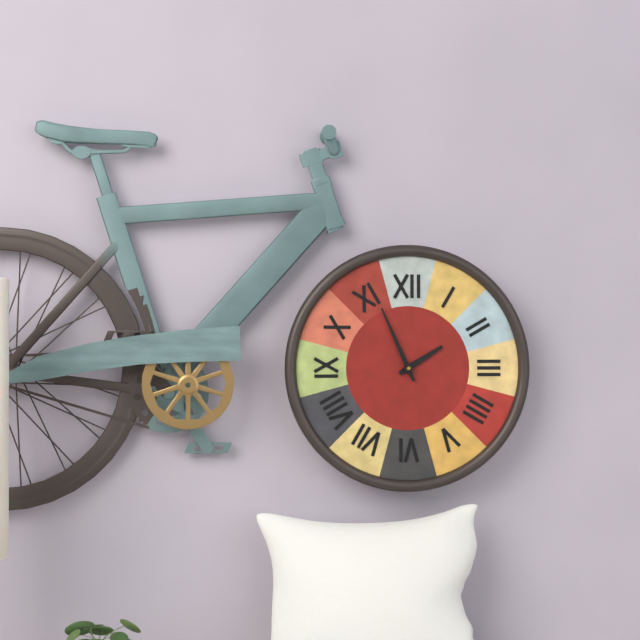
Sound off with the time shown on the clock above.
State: 1:56
